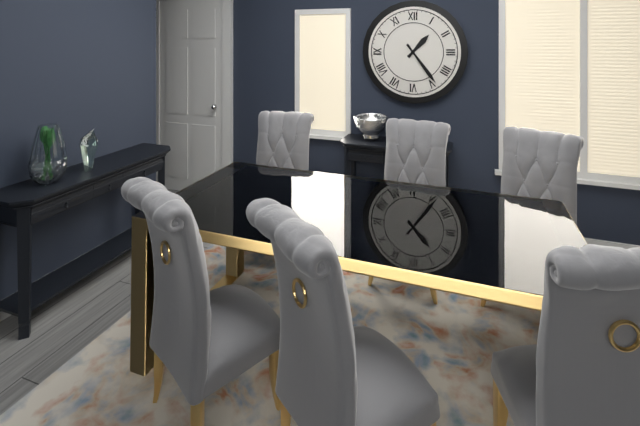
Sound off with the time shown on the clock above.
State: 1:24
